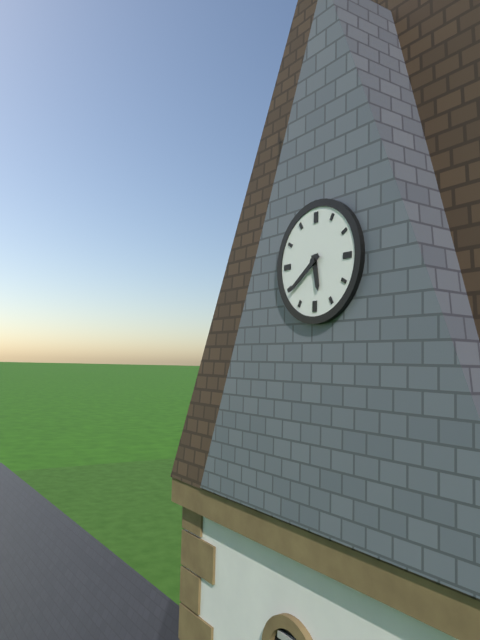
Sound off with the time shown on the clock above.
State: 5:39
